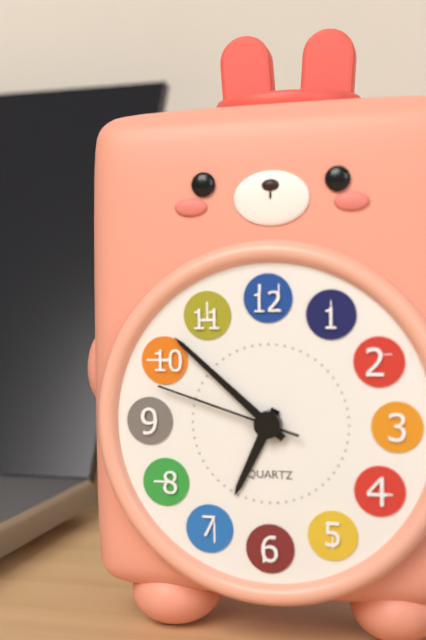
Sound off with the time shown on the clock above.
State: 6:52:48
